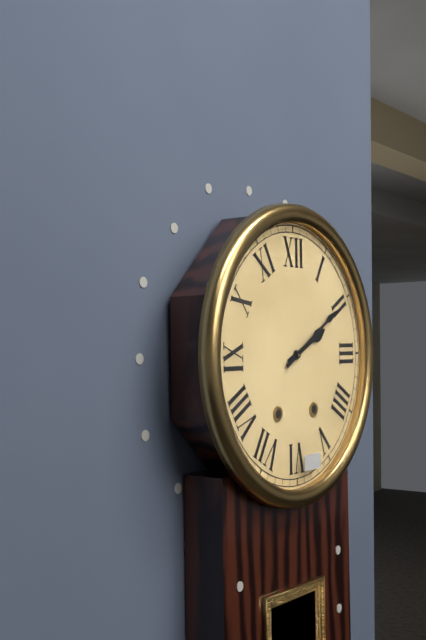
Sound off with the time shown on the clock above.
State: 2:10
